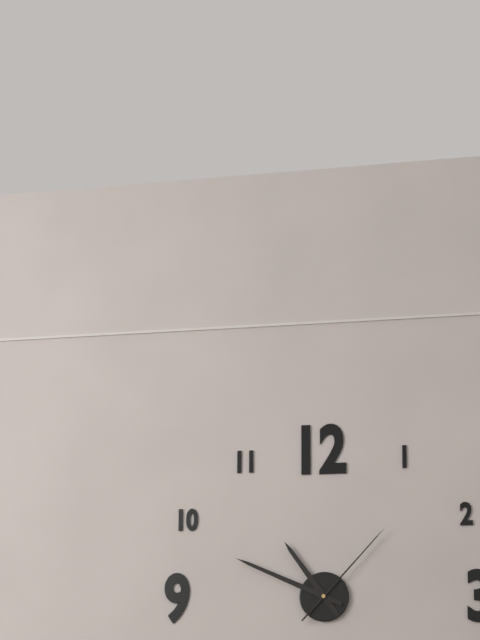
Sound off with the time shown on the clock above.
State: 10:49:07
